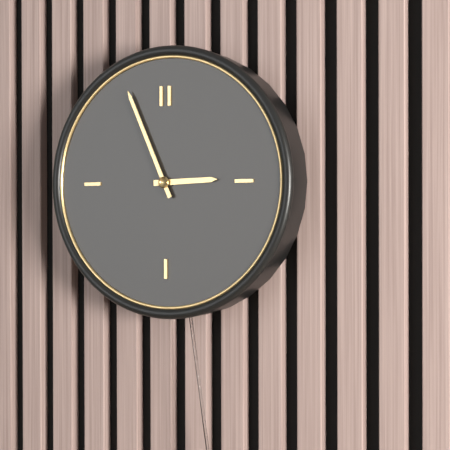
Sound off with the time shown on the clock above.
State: 2:56
